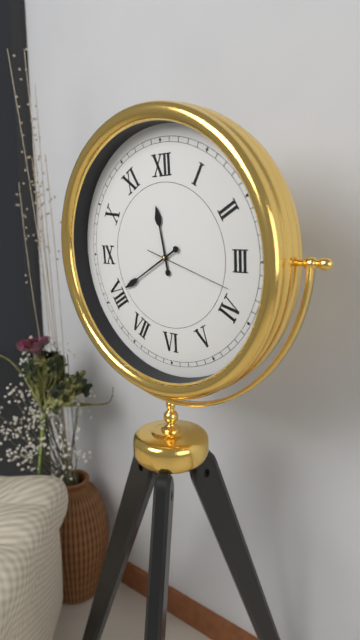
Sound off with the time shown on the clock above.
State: 11:40:18
